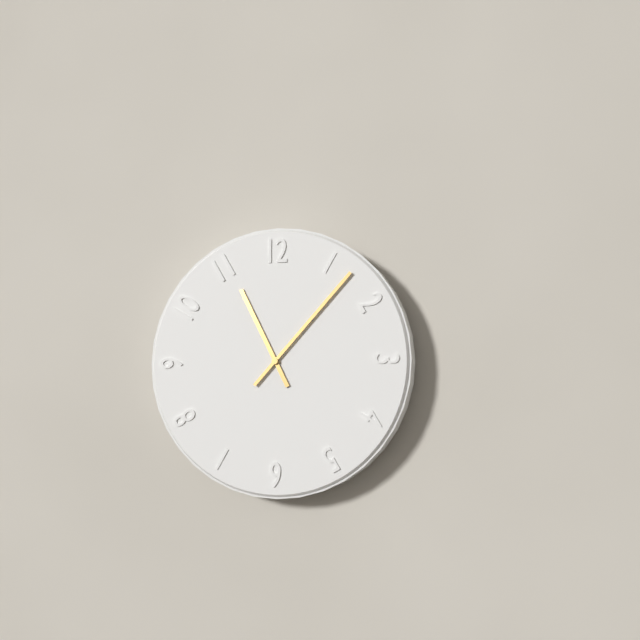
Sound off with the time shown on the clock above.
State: 11:07
